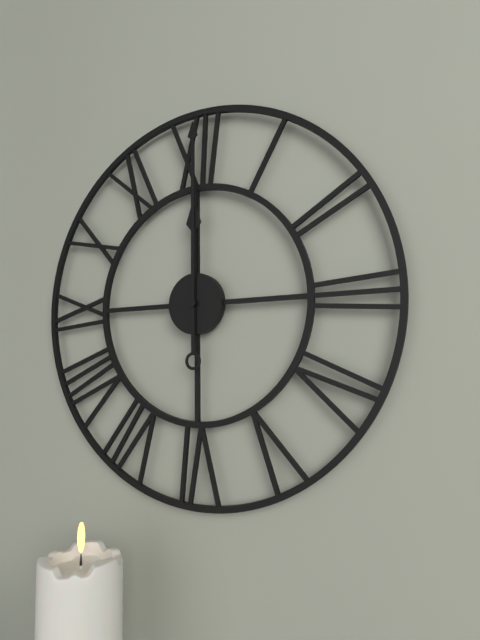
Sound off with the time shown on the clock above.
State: 12:00
